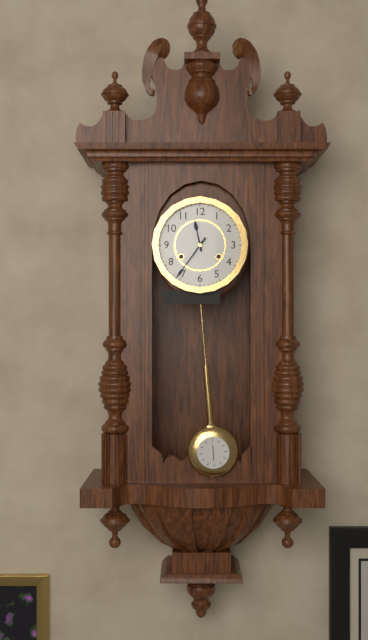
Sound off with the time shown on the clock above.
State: 11:36
